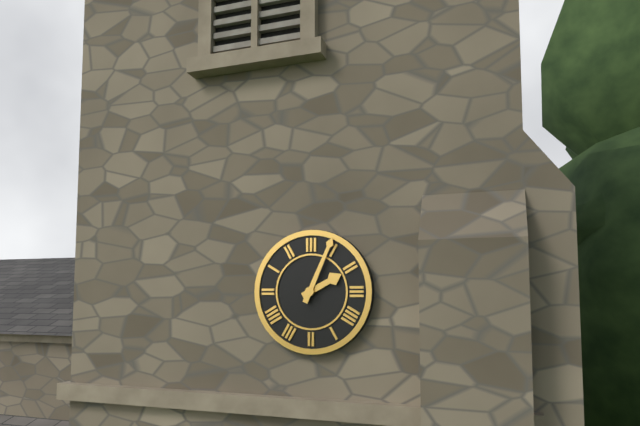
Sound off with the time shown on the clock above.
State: 2:04
